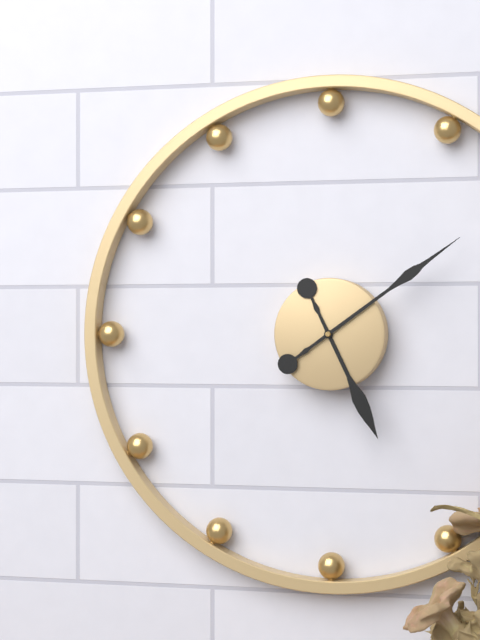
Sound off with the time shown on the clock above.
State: 5:09
